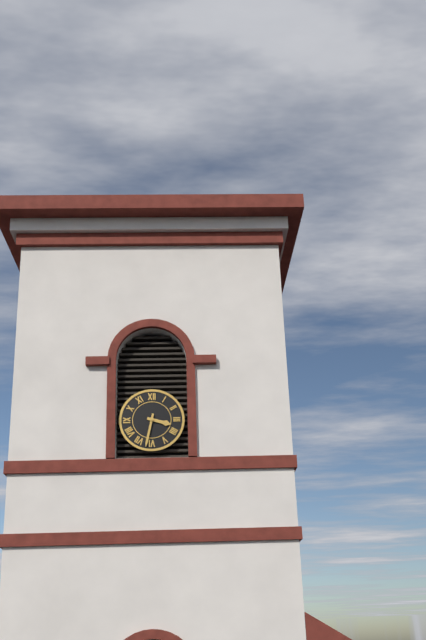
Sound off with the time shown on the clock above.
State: 3:32
